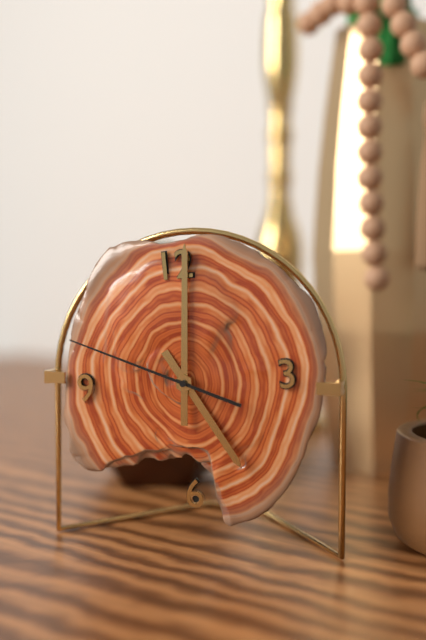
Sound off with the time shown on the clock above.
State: 5:01:49
